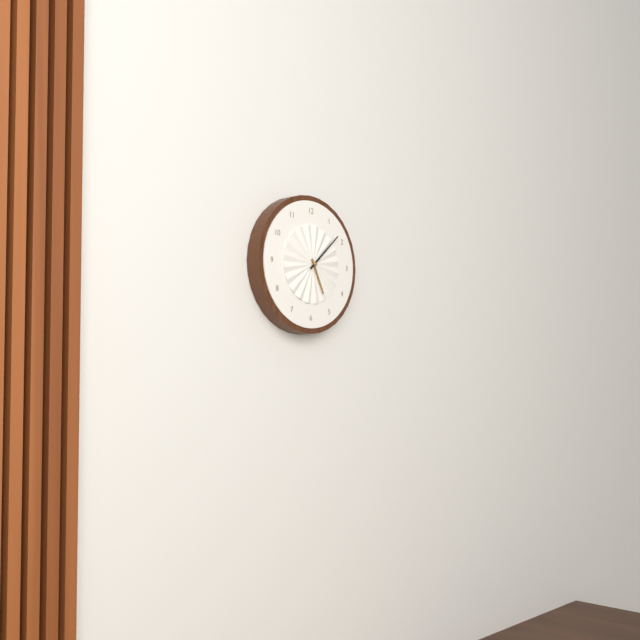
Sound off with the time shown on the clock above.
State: 5:08
